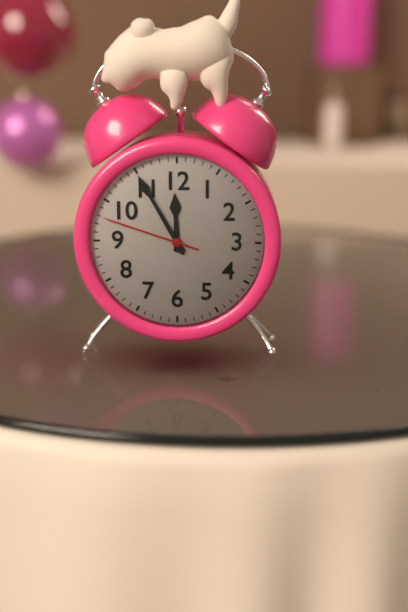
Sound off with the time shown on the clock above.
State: 11:55:48
